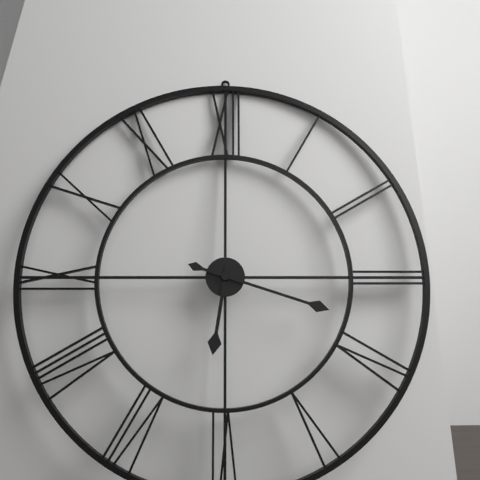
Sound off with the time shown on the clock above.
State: 6:18
